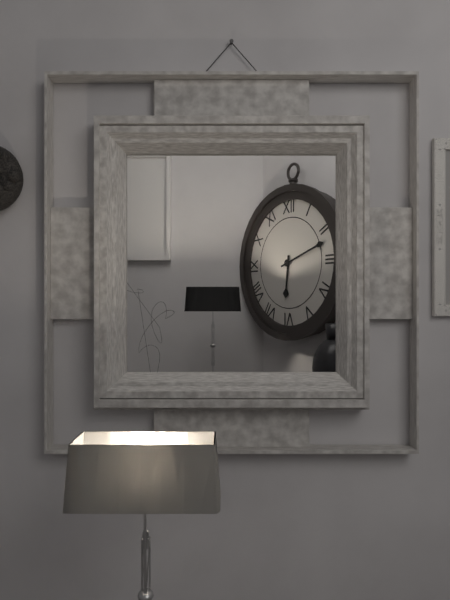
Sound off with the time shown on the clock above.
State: 6:12
